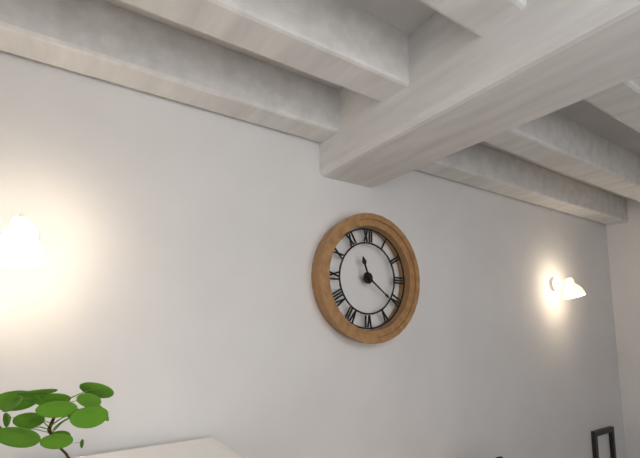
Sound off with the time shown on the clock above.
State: 11:21
